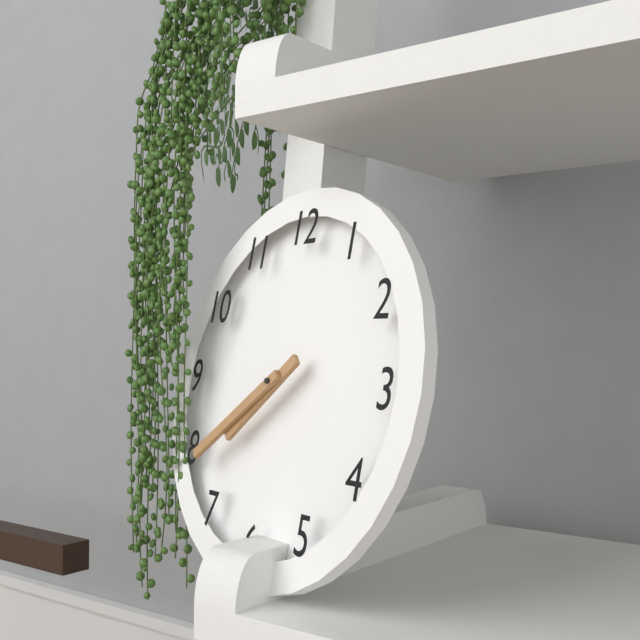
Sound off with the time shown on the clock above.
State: 7:39
